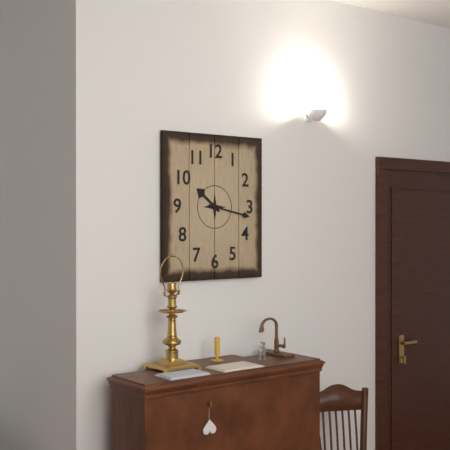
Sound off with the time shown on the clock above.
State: 10:17
